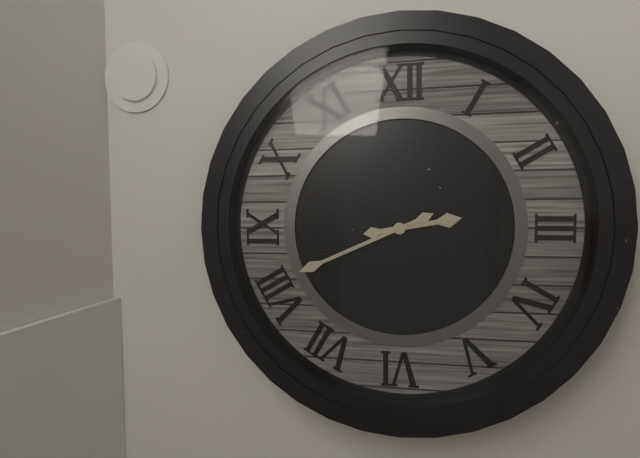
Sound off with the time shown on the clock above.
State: 2:41
